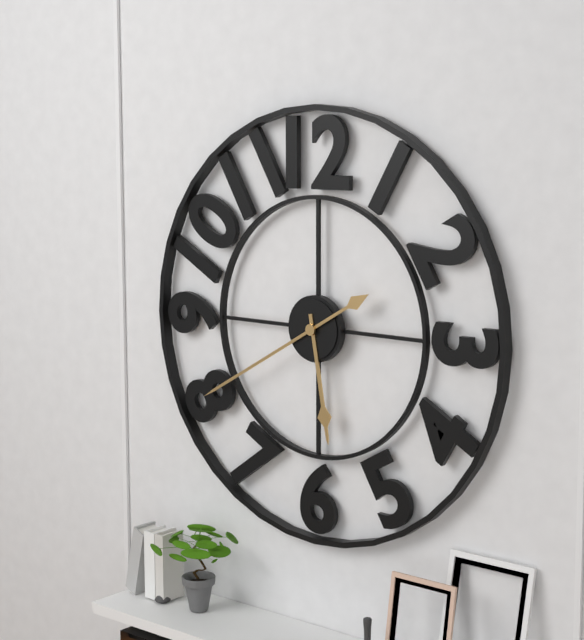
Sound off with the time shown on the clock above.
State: 5:40
